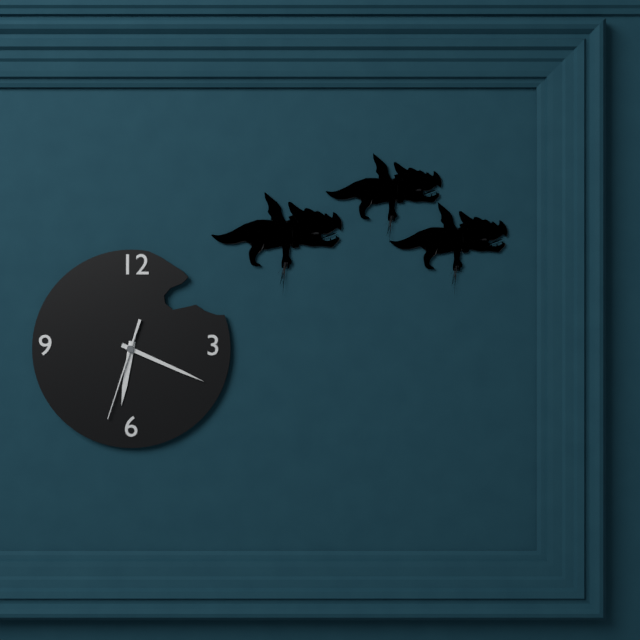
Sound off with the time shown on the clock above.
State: 6:19:33
